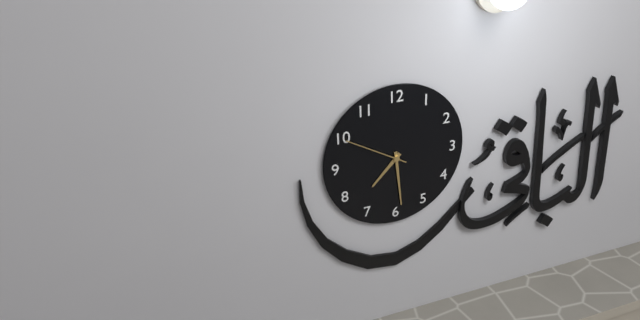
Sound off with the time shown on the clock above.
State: 7:29:50
